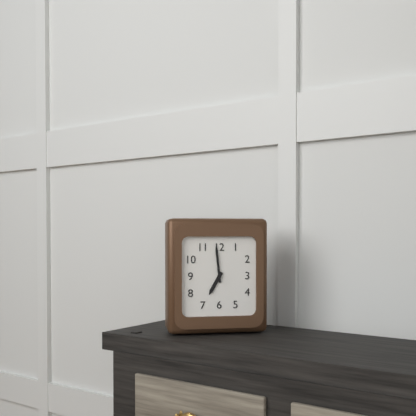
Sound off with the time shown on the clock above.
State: 6:59
